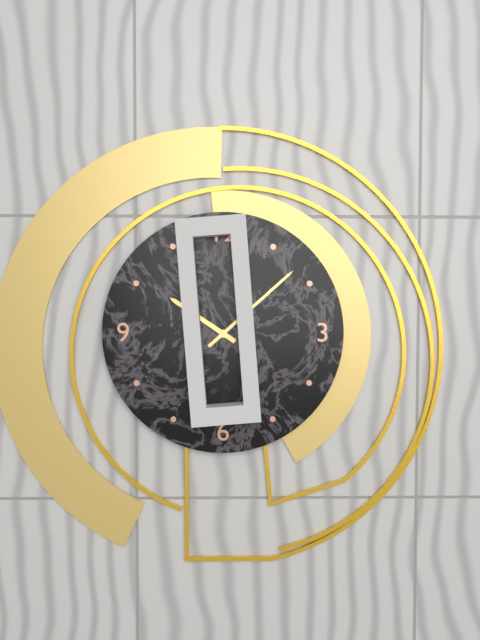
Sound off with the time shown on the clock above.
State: 10:08
